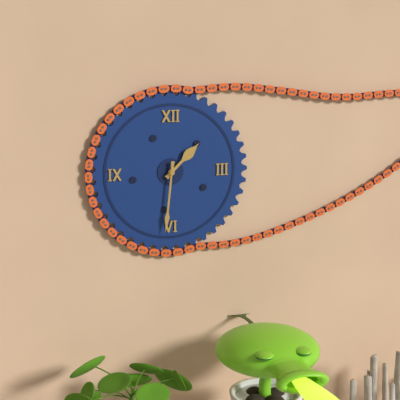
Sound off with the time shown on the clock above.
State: 1:31
